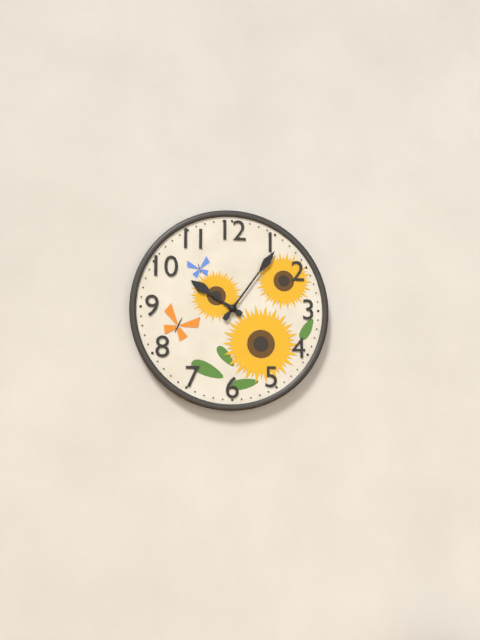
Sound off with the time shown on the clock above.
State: 10:06
